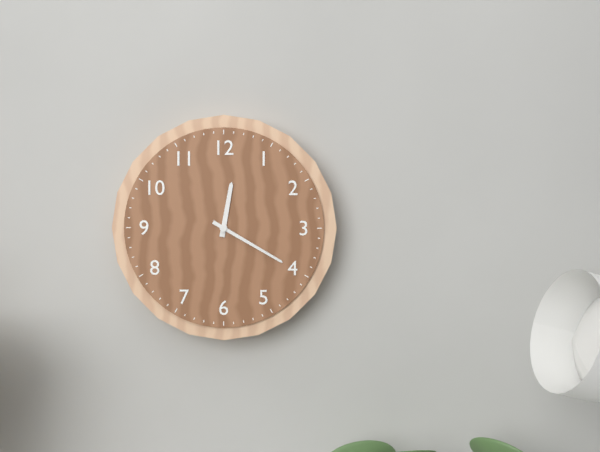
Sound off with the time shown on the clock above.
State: 12:20
